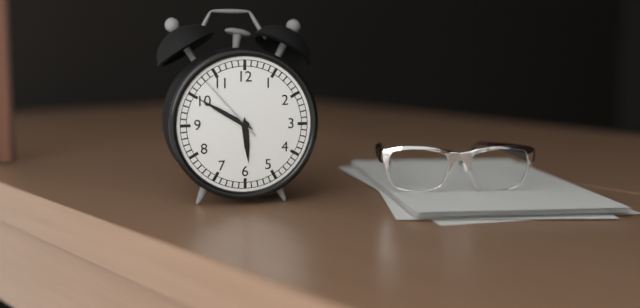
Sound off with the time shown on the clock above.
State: 5:50:53
